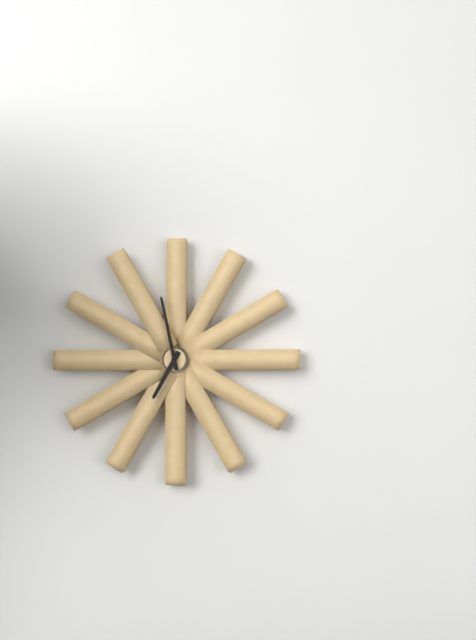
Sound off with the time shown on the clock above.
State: 6:58
